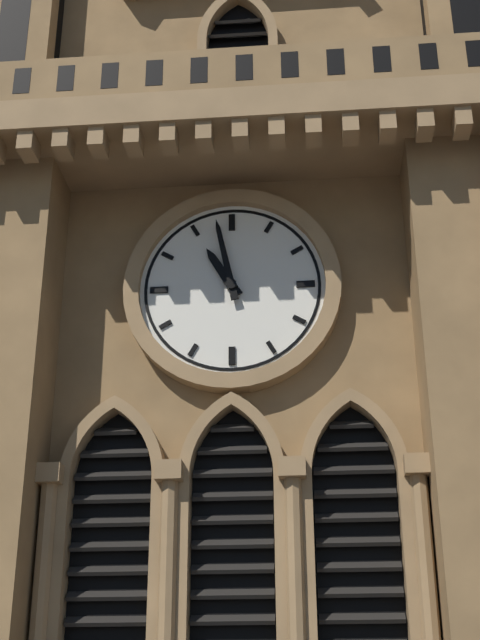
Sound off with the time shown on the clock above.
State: 10:58
